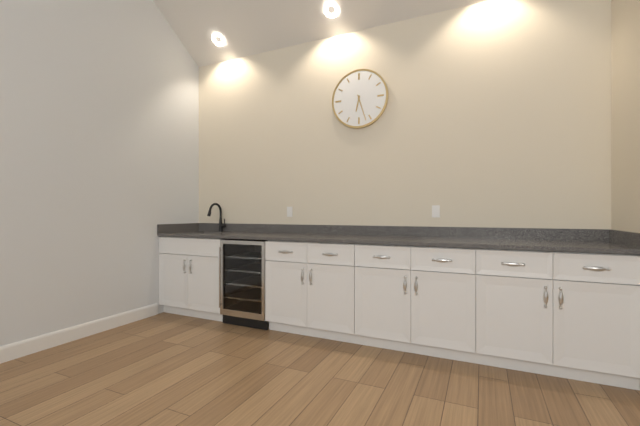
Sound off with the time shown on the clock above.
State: 6:27
